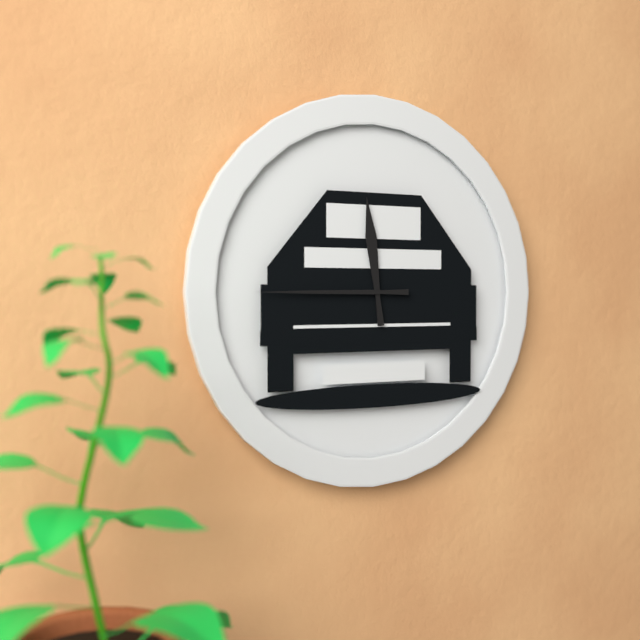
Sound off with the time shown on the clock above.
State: 11:45
